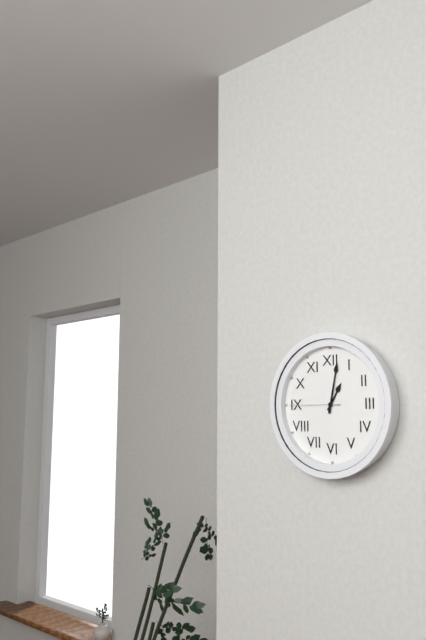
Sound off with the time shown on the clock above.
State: 1:02:45
